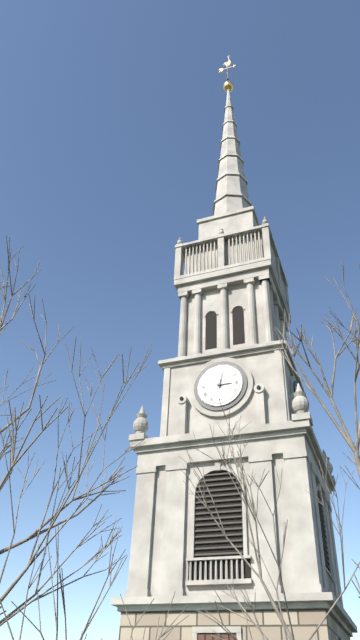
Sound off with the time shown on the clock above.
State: 3:02
